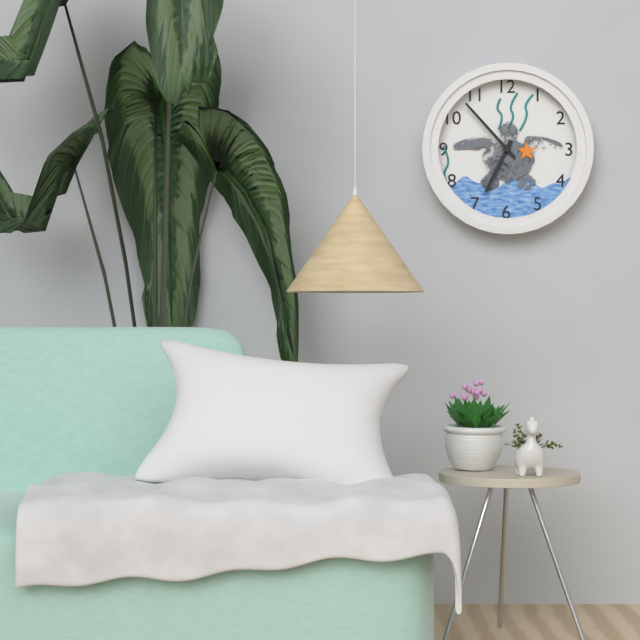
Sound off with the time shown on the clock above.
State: 6:53
